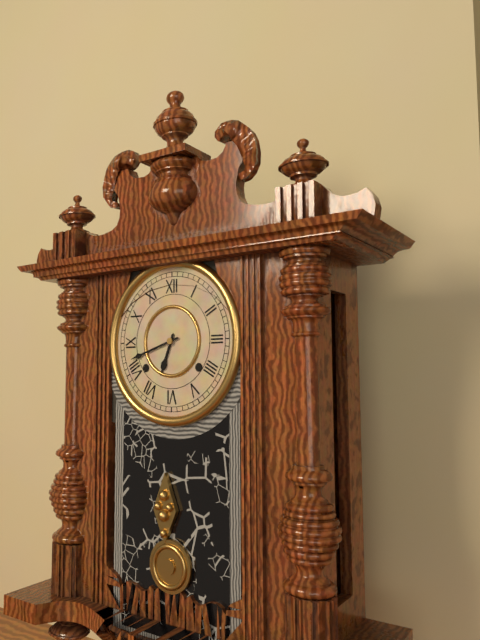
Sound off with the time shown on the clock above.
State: 6:42
